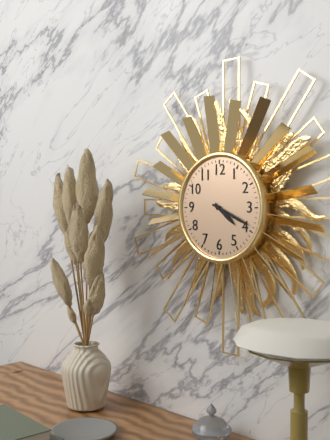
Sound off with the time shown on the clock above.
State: 4:19
